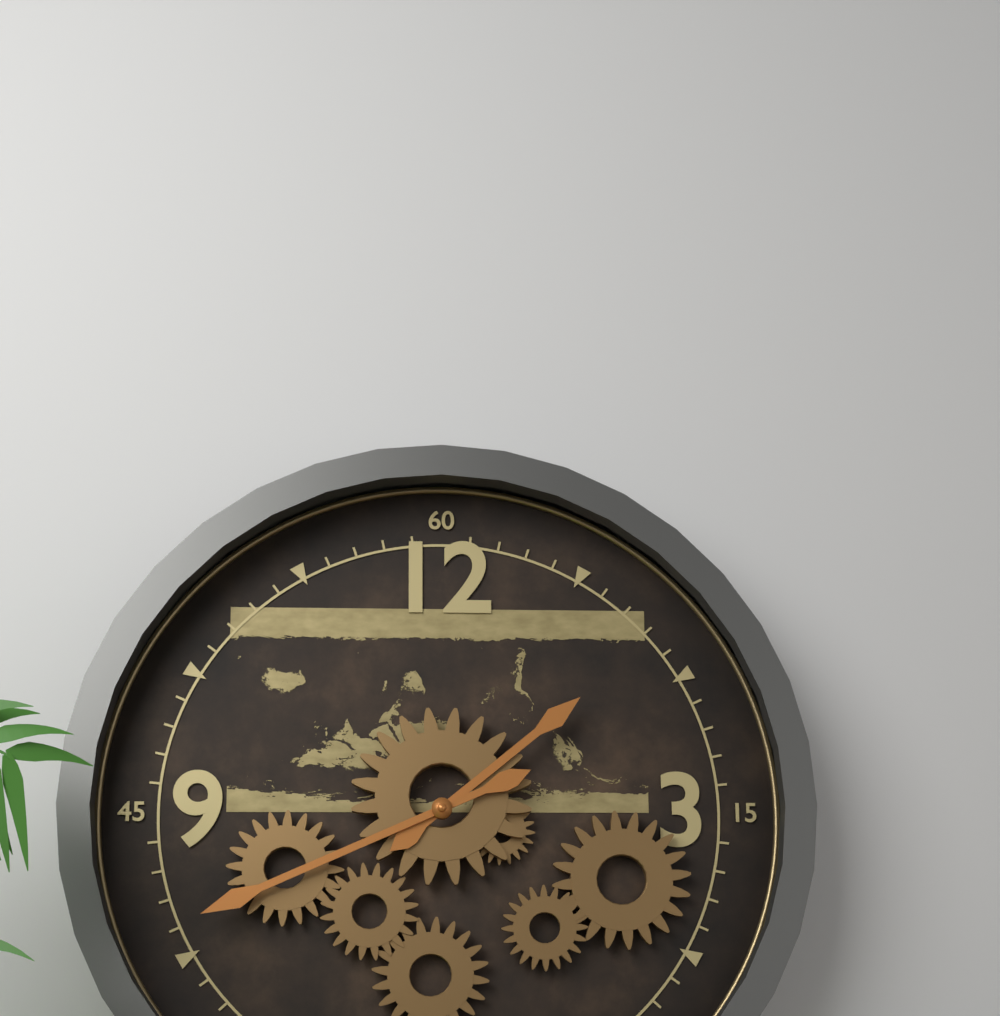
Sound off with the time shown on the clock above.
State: 1:41
